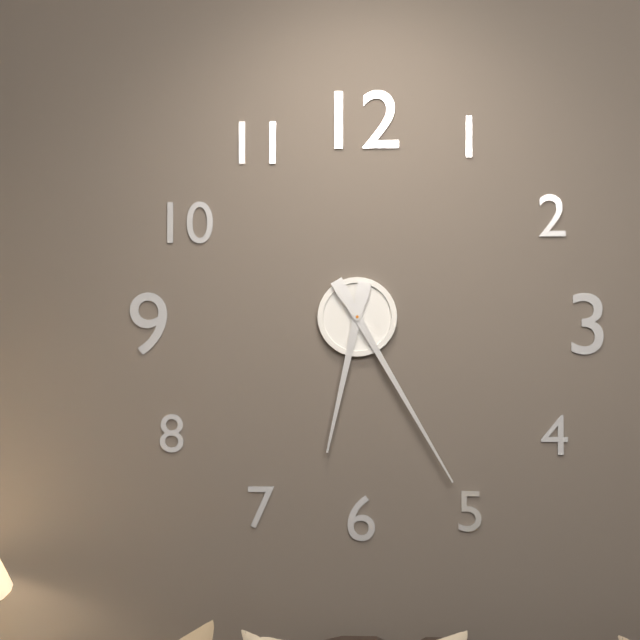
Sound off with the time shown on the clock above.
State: 6:25
